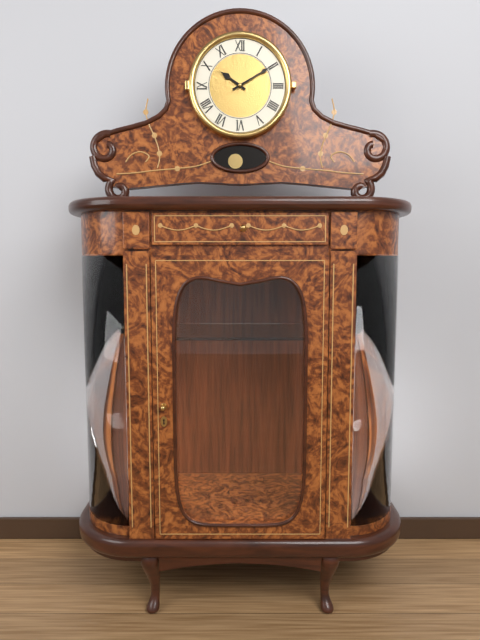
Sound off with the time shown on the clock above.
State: 10:10
